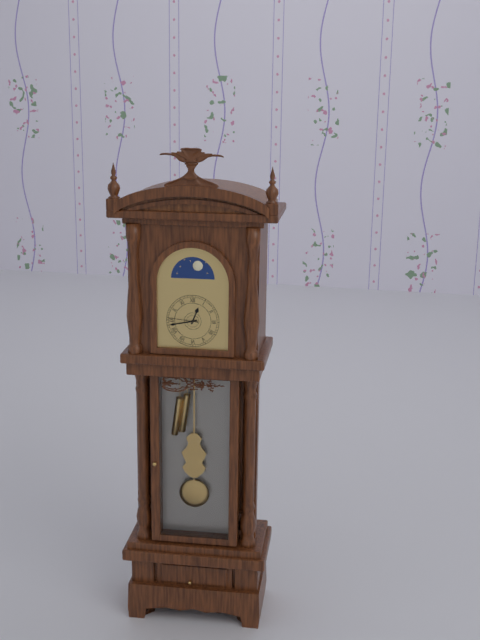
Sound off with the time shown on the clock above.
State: 12:43
